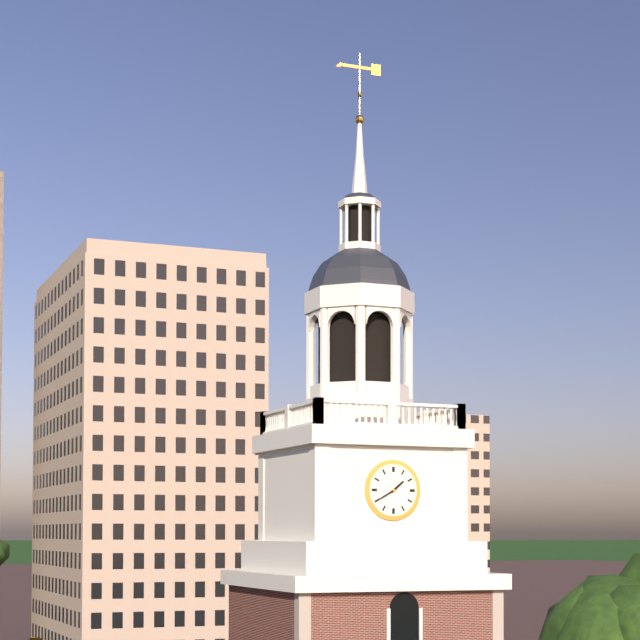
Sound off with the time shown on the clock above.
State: 1:40
